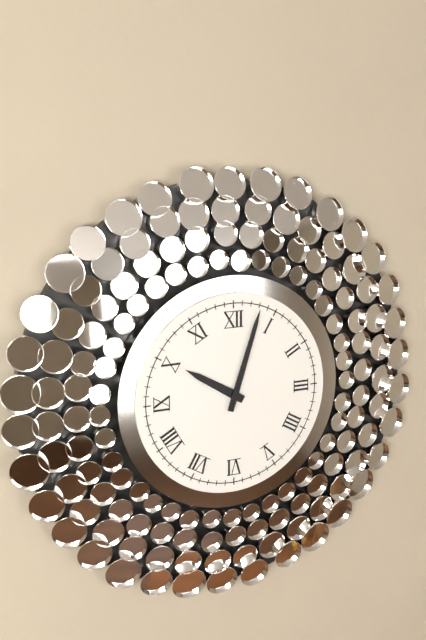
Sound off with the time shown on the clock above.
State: 10:03
